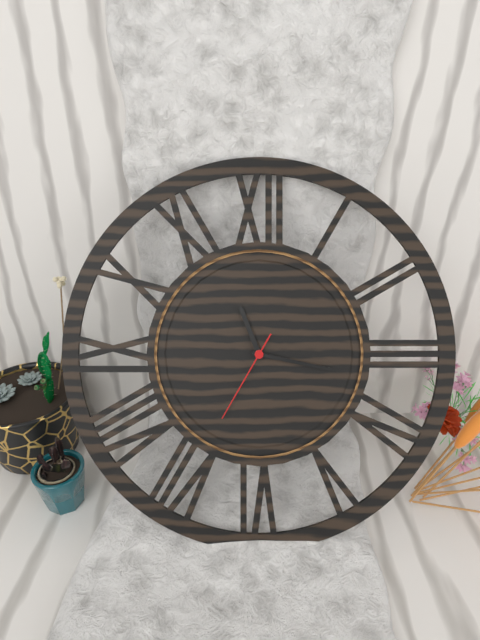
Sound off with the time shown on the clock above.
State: 11:17:35
